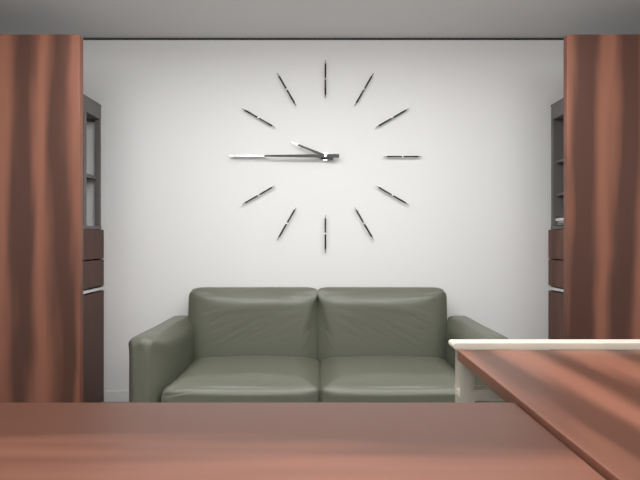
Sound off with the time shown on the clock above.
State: 9:45
